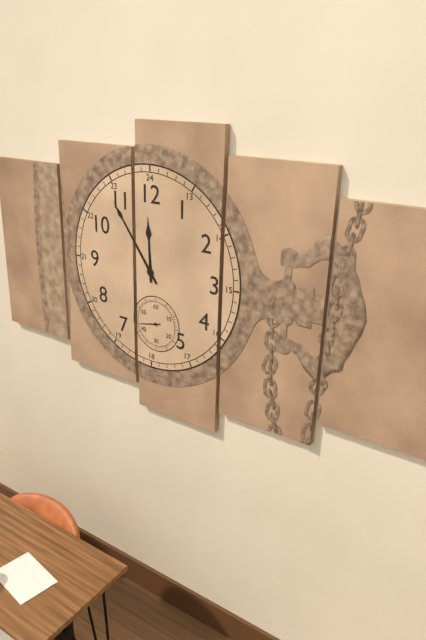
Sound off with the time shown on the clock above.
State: 11:54
